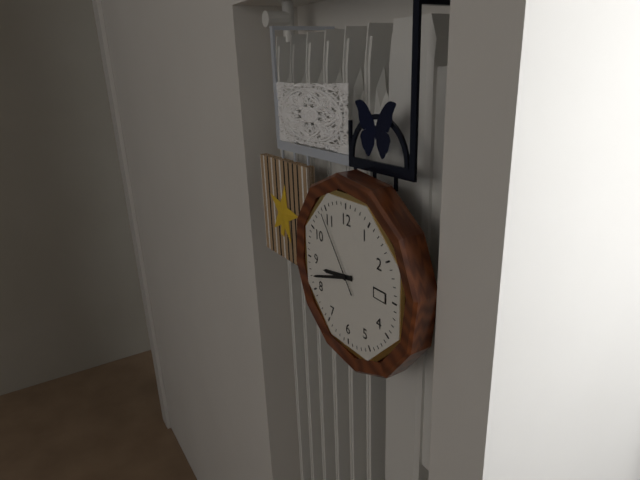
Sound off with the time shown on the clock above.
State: 8:42:54
